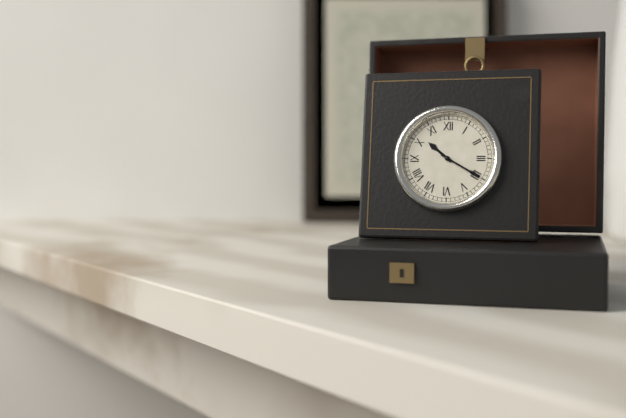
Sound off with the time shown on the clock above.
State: 10:20
